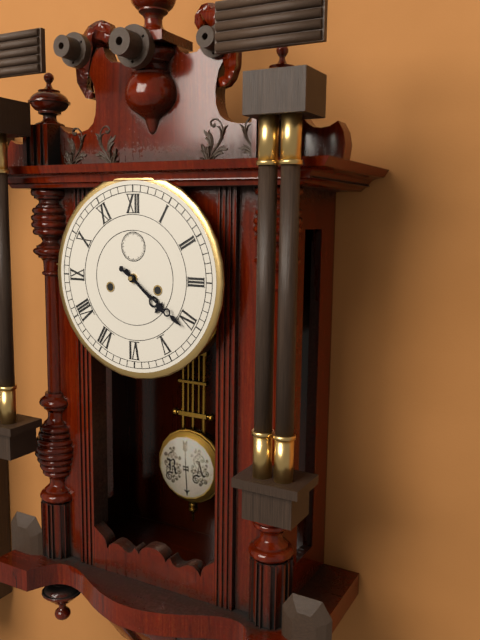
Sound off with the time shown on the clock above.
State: 4:21
